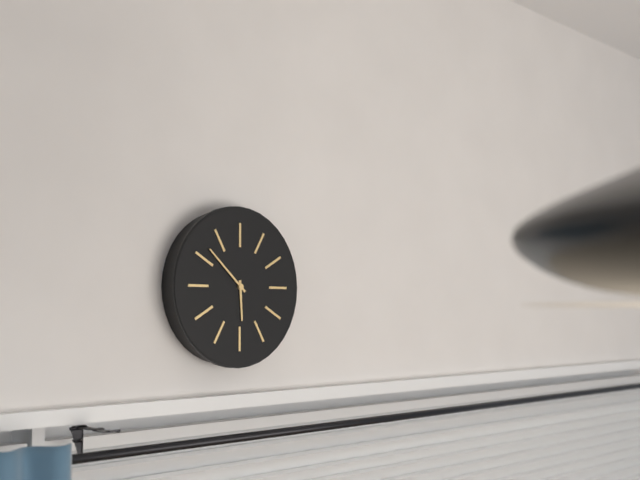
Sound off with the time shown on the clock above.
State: 5:52
